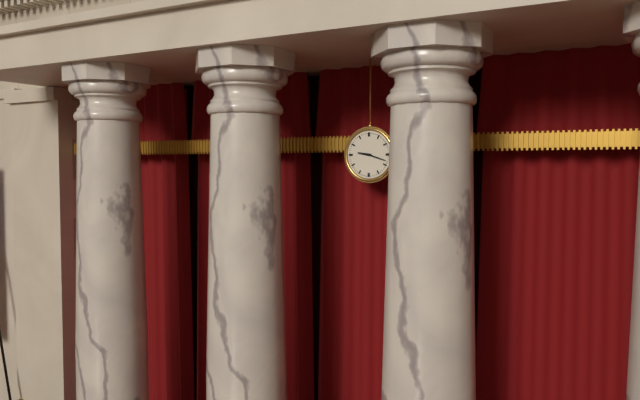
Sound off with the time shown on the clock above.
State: 9:18
